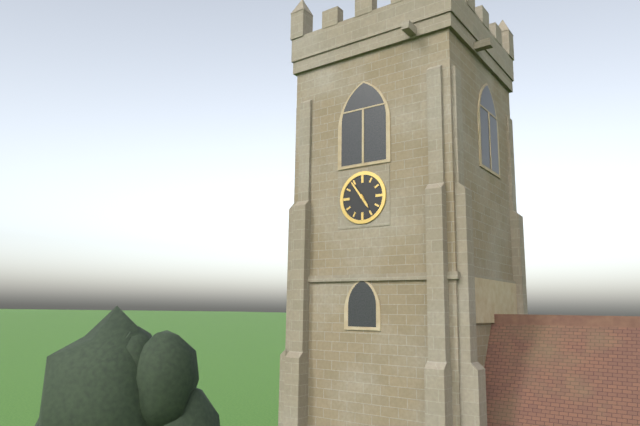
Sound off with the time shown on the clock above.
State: 4:54
